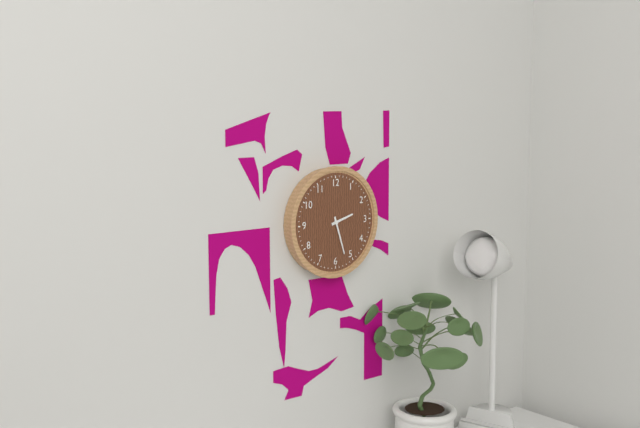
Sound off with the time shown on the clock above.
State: 2:27
